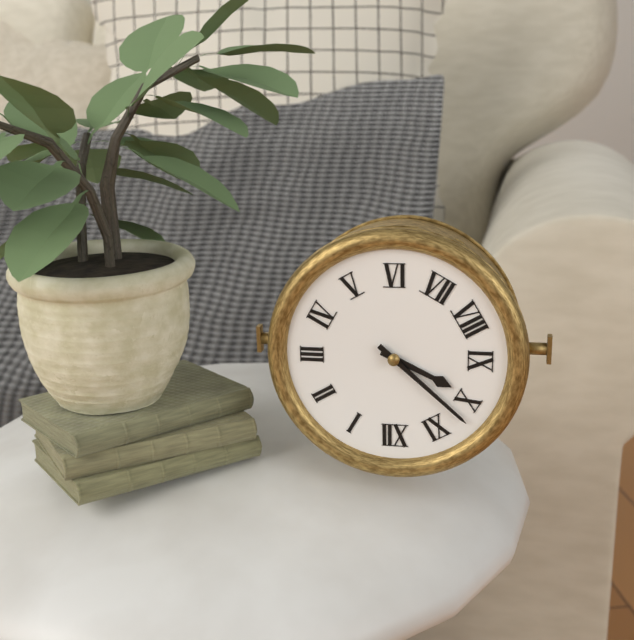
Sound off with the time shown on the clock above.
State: 9:52
